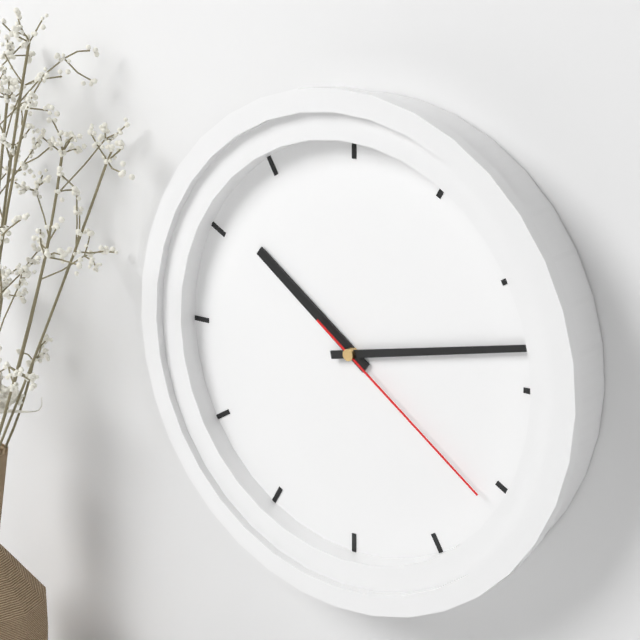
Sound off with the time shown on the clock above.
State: 10:13:21
